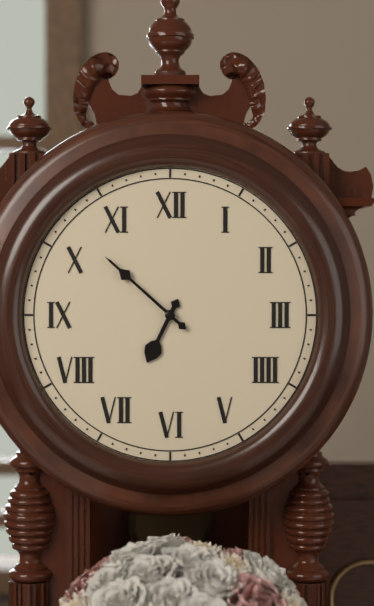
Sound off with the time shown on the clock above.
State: 6:52
